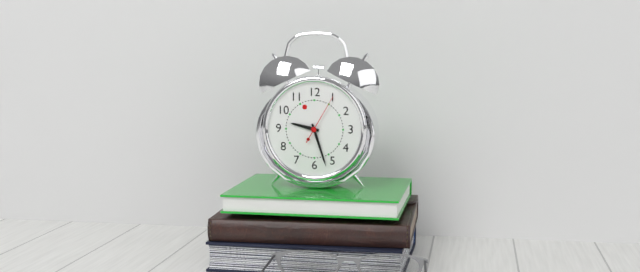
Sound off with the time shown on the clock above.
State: 9:27
